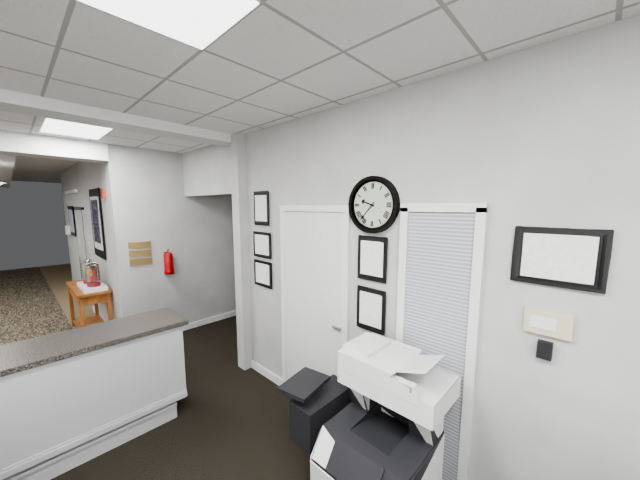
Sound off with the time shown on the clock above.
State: 9:37
